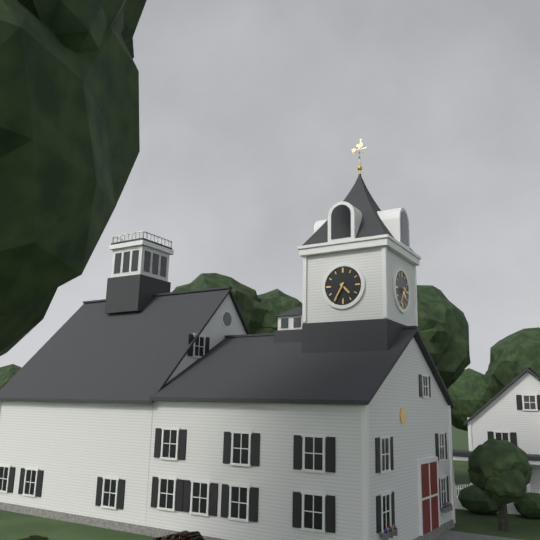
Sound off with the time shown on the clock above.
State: 4:35
